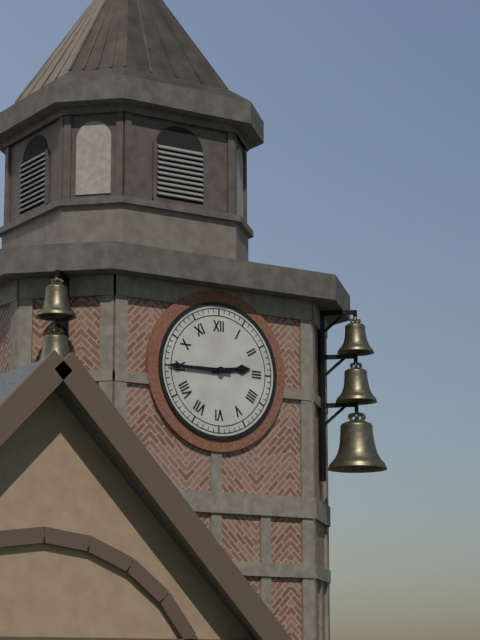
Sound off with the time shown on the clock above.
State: 2:45
